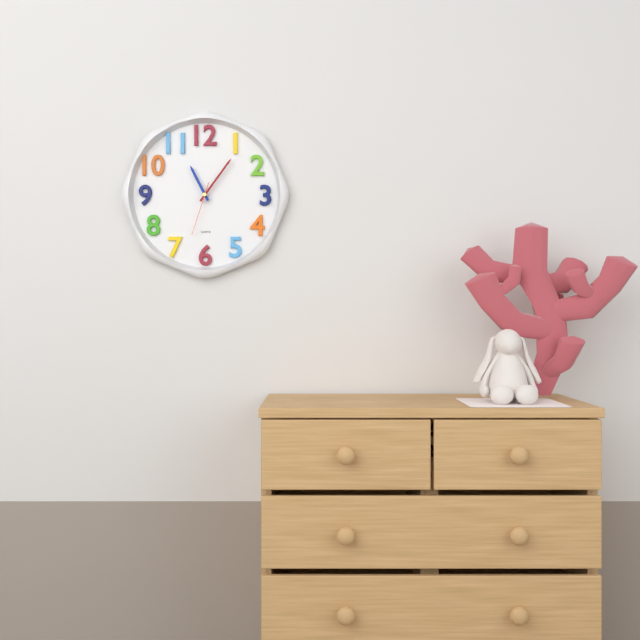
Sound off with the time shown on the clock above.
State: 11:06:33
